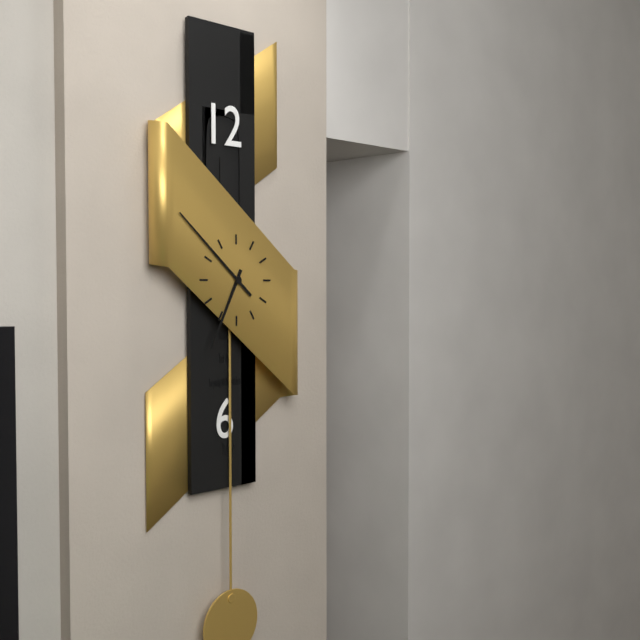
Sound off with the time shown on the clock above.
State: 6:52
